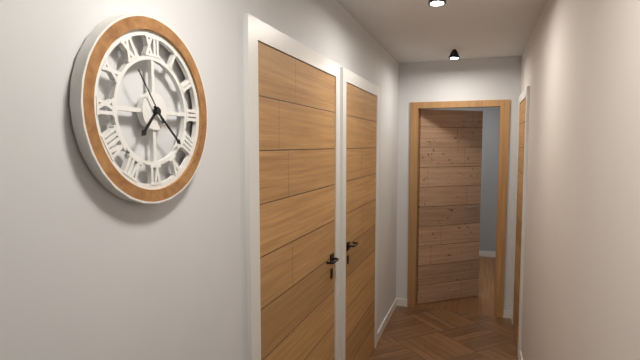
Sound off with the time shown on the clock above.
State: 7:22:54
